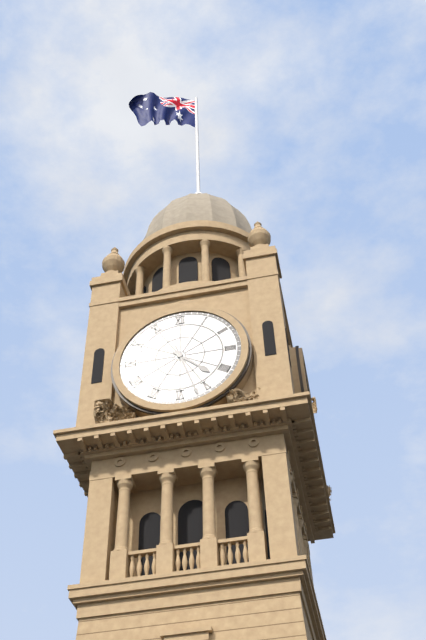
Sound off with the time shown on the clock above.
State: 4:27
